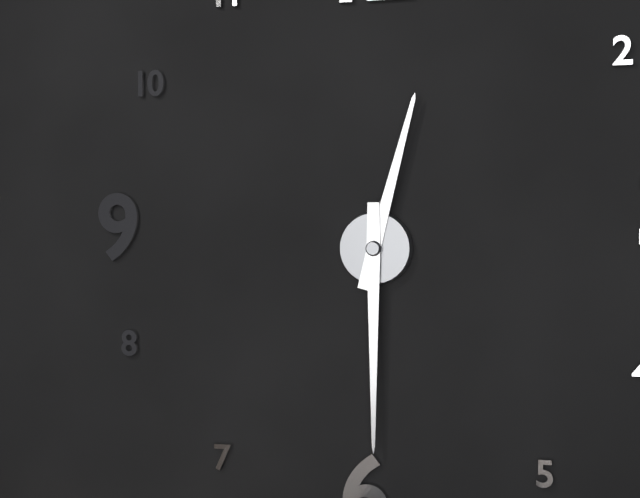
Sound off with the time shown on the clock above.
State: 12:30
